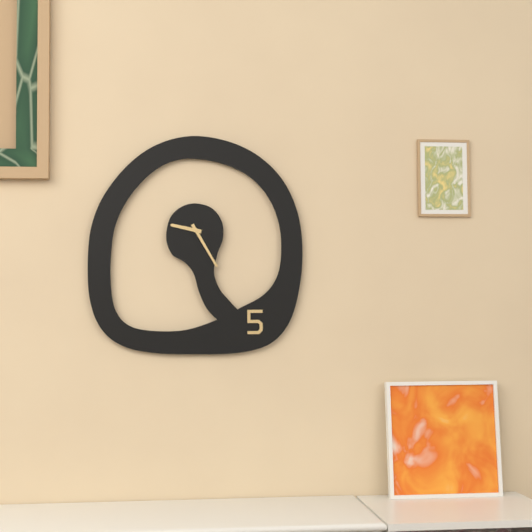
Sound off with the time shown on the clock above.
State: 9:25
